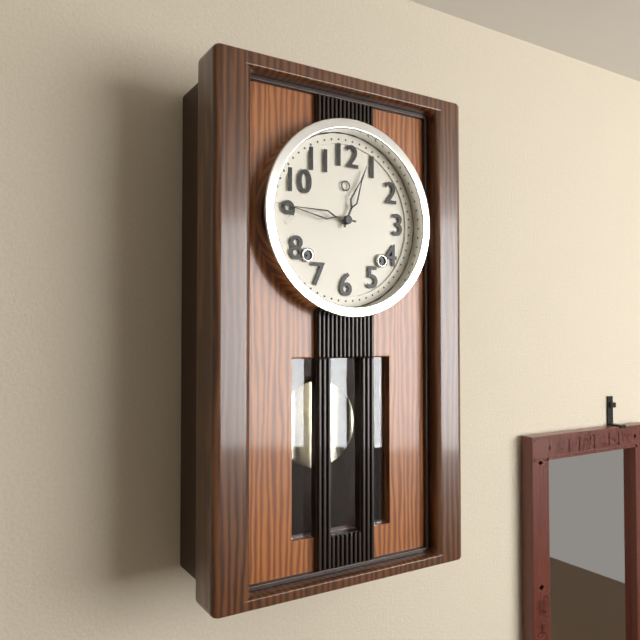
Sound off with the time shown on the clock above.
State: 12:46
